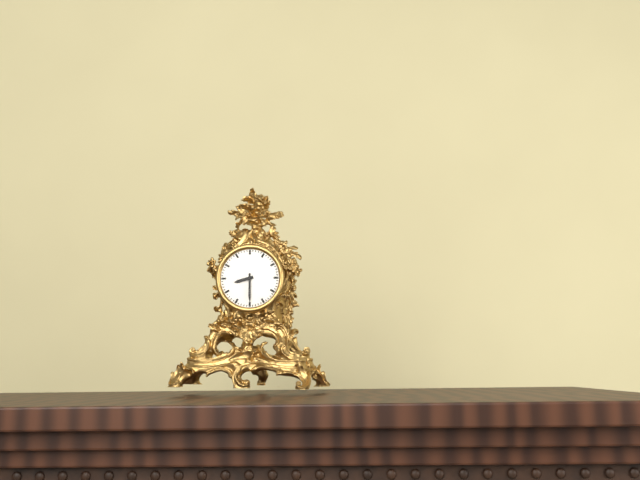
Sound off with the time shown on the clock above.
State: 8:30
